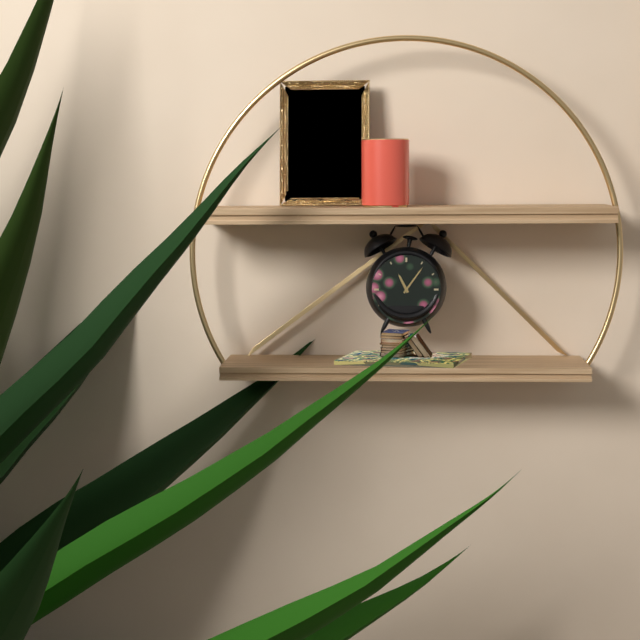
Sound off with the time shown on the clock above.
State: 11:06
